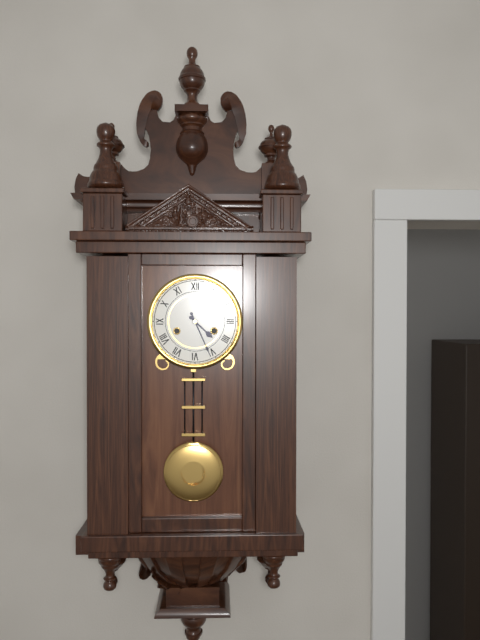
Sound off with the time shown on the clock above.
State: 4:26
